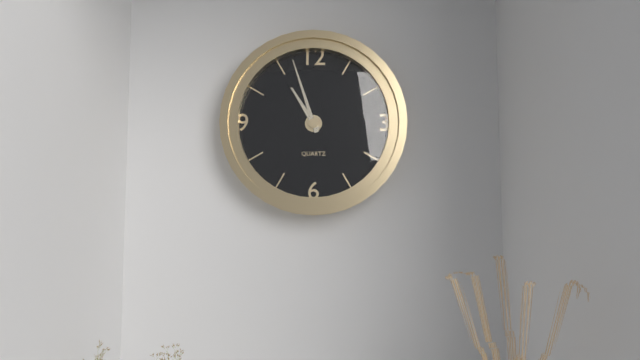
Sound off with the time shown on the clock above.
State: 10:57
